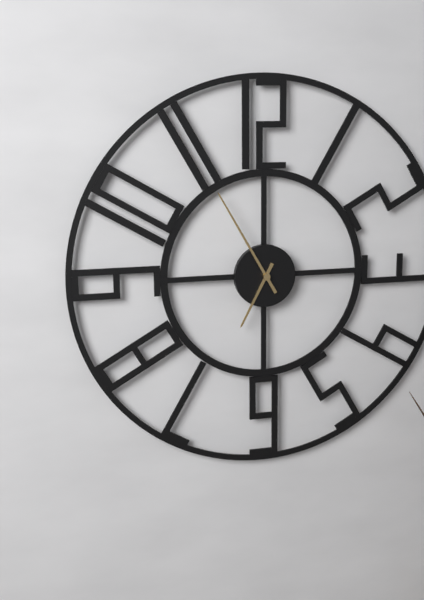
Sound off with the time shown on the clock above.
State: 6:55
